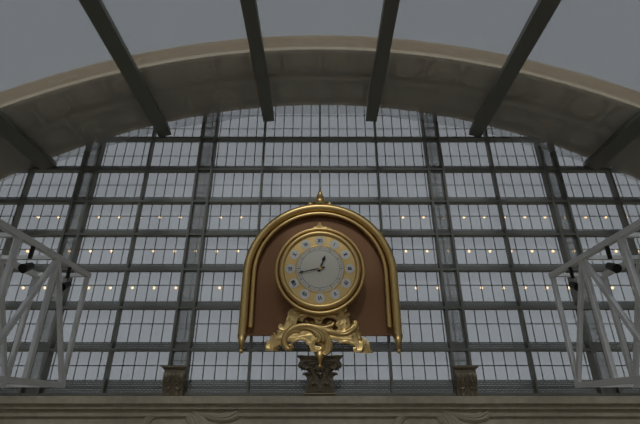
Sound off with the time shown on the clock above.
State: 12:43
